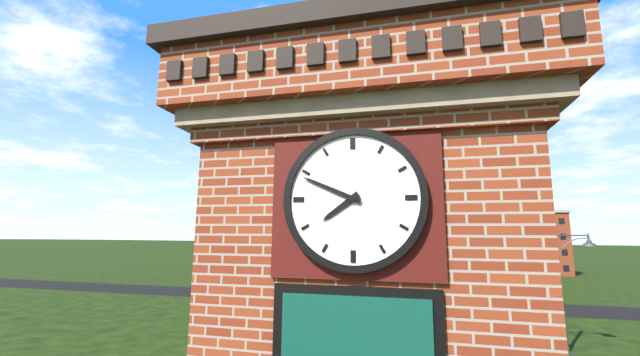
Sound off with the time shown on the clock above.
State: 7:49
